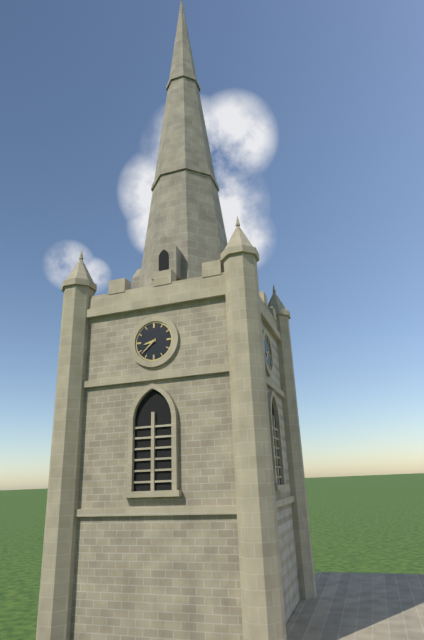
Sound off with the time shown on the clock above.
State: 8:38
